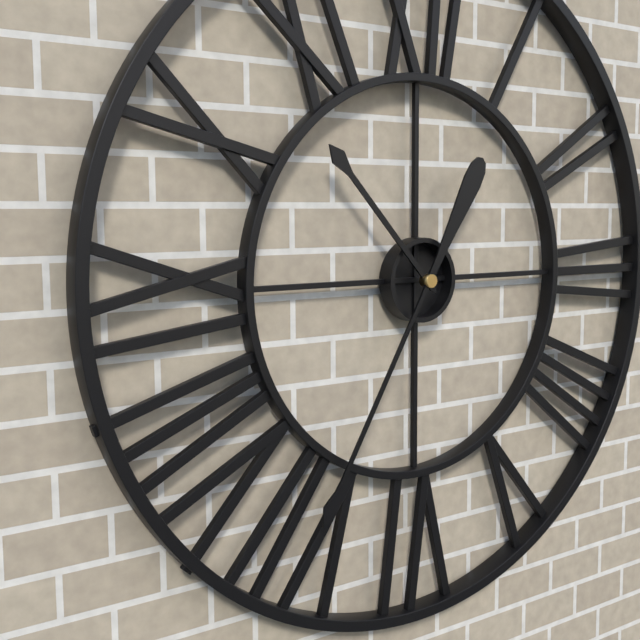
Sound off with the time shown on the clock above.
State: 10:35
